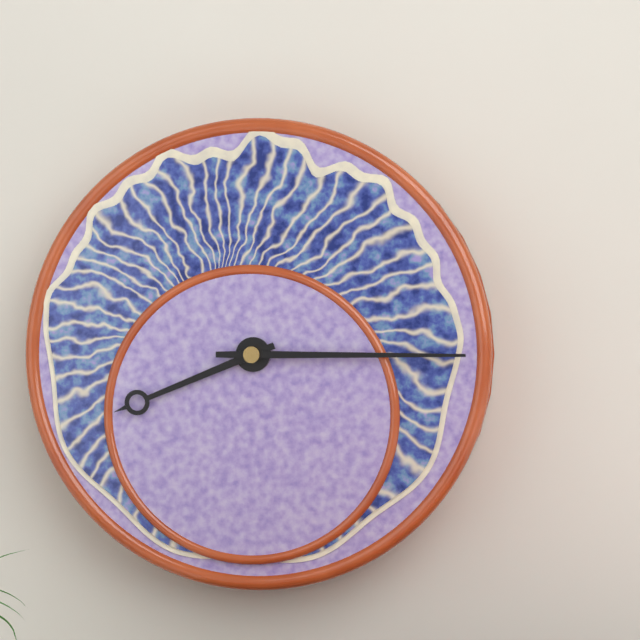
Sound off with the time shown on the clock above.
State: 8:15
